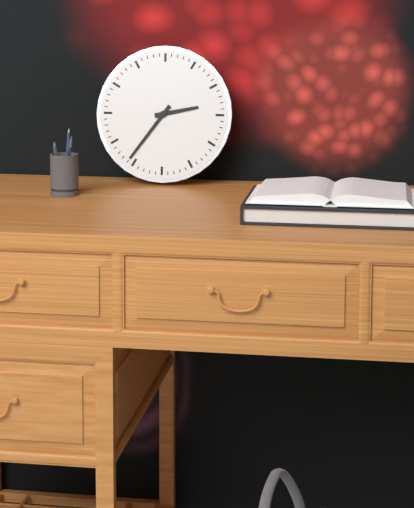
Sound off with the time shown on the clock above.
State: 2:36
